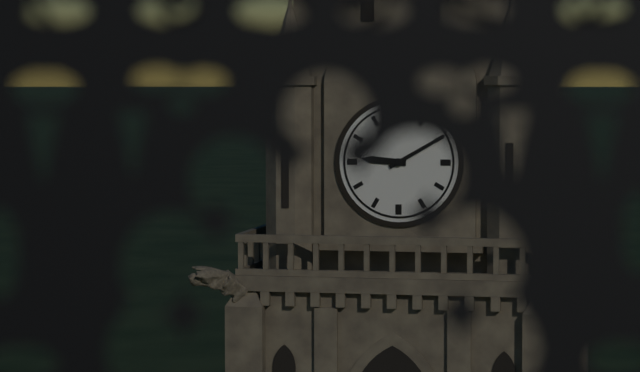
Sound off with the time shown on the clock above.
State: 9:10
